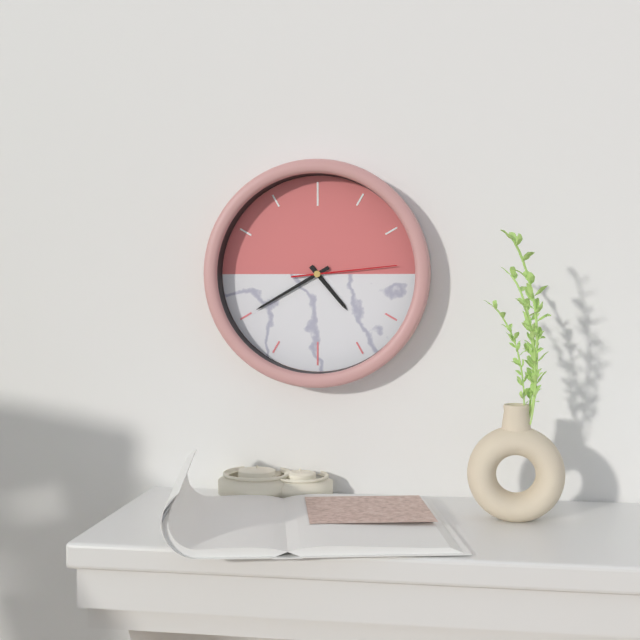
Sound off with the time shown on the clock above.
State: 4:40:14
